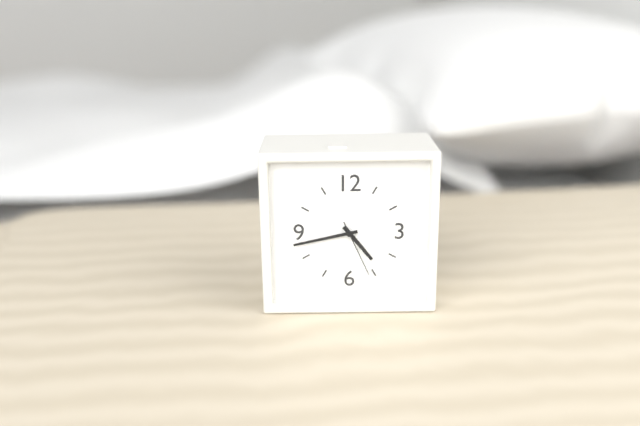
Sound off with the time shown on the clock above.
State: 4:43:26
